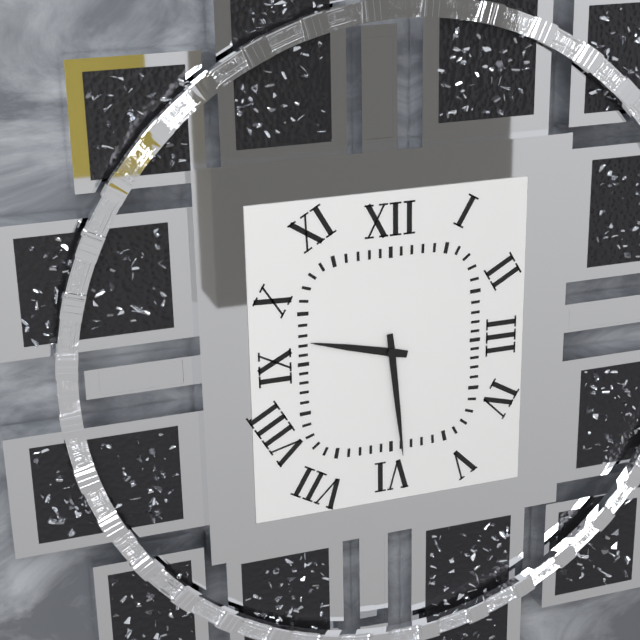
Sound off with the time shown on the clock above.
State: 9:29
